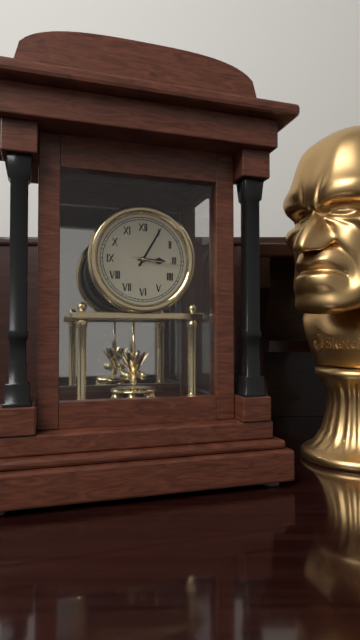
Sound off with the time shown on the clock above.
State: 3:05:16
